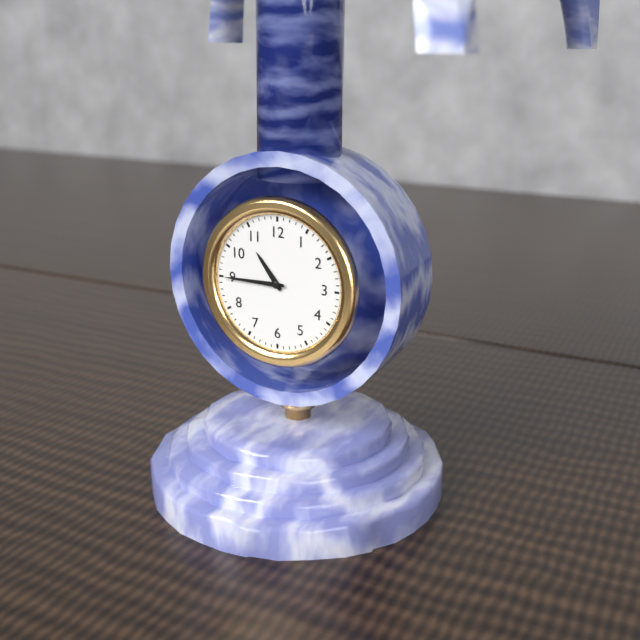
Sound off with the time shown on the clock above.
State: 10:45
